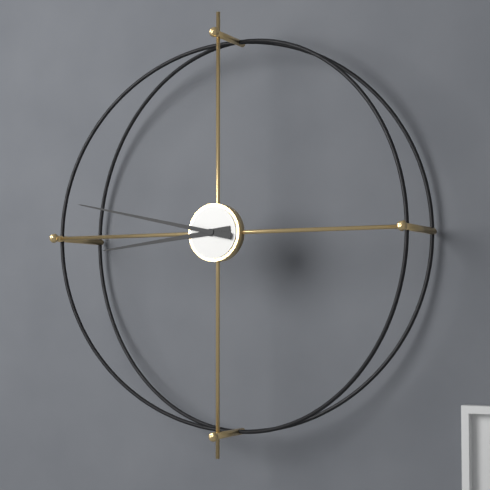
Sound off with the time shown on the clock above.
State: 8:47
